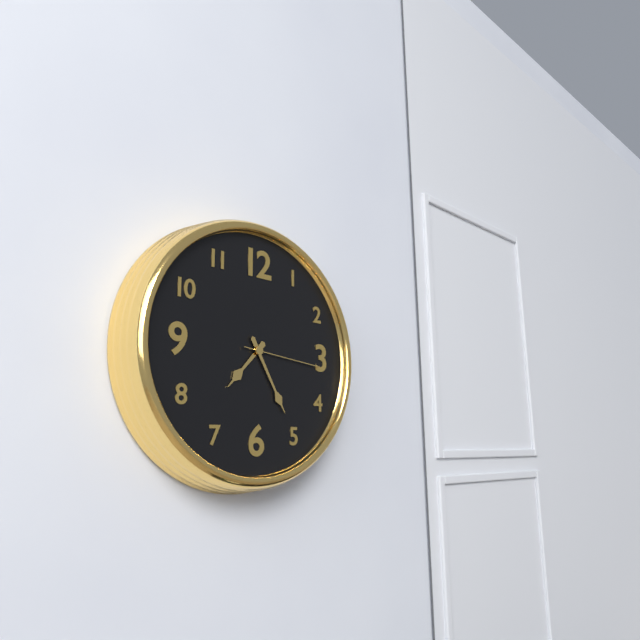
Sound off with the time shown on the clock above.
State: 7:25:16
